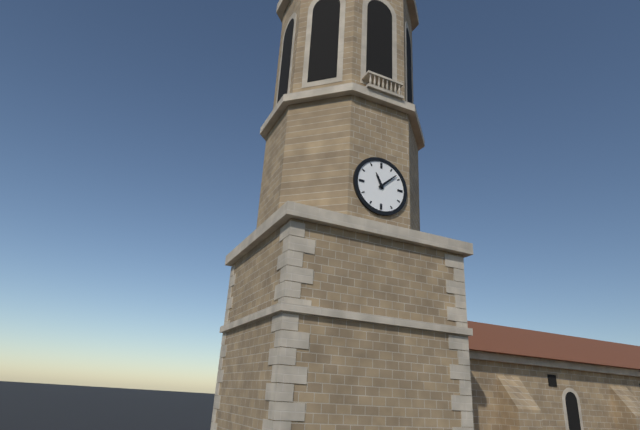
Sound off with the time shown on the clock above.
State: 11:08
